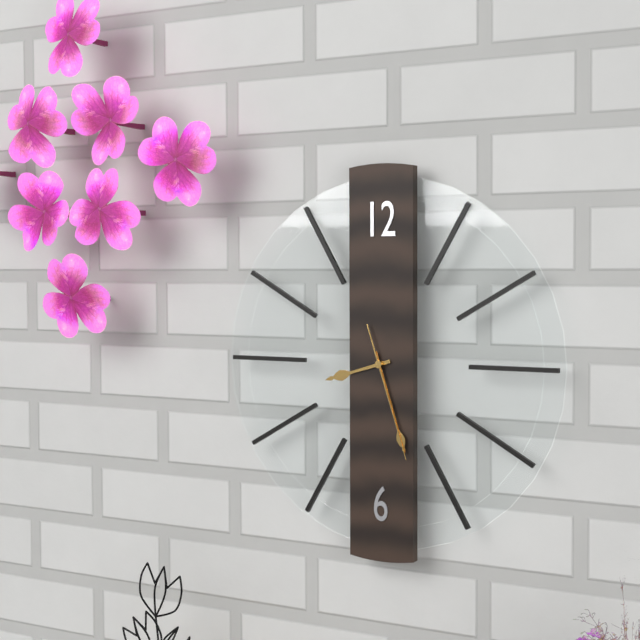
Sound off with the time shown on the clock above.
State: 8:27:27
